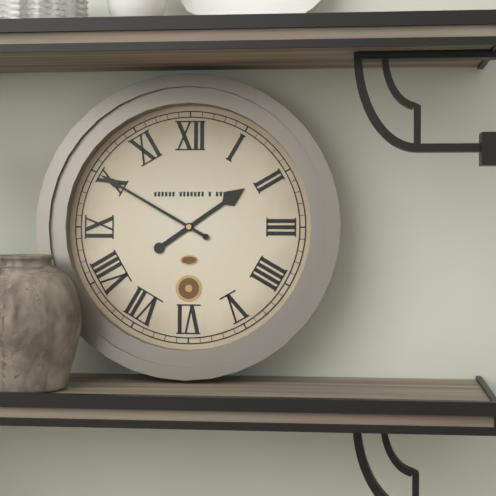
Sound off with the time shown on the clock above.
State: 1:50
